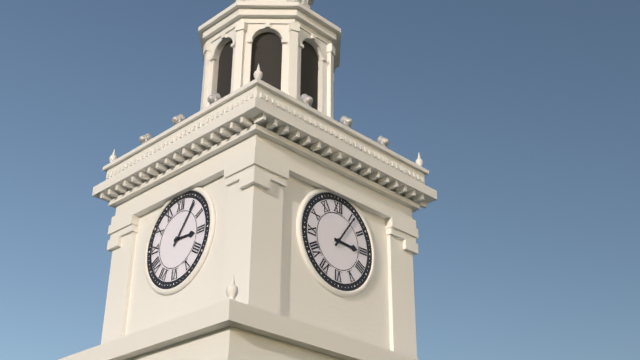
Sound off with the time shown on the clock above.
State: 3:06
